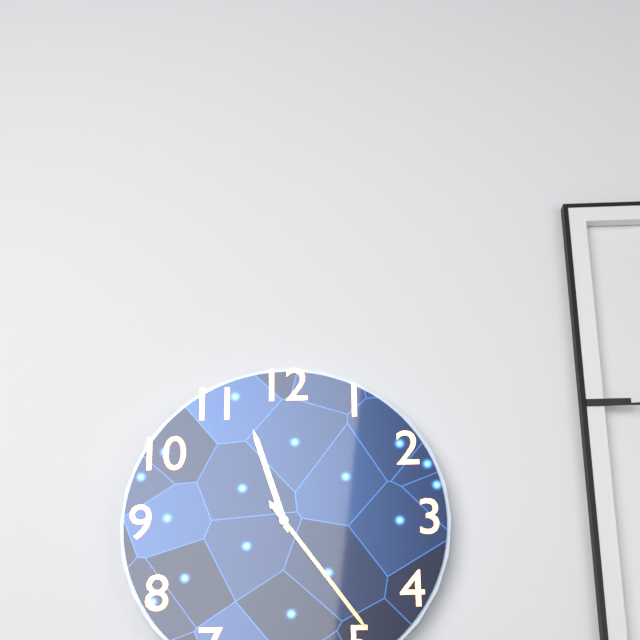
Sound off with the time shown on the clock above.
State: 11:24
